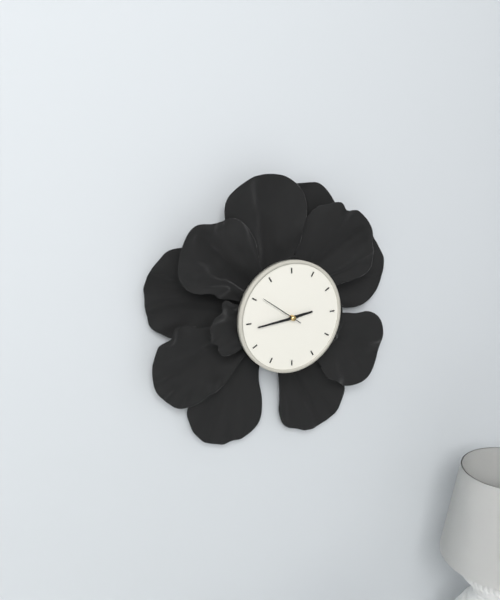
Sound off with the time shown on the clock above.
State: 2:44
